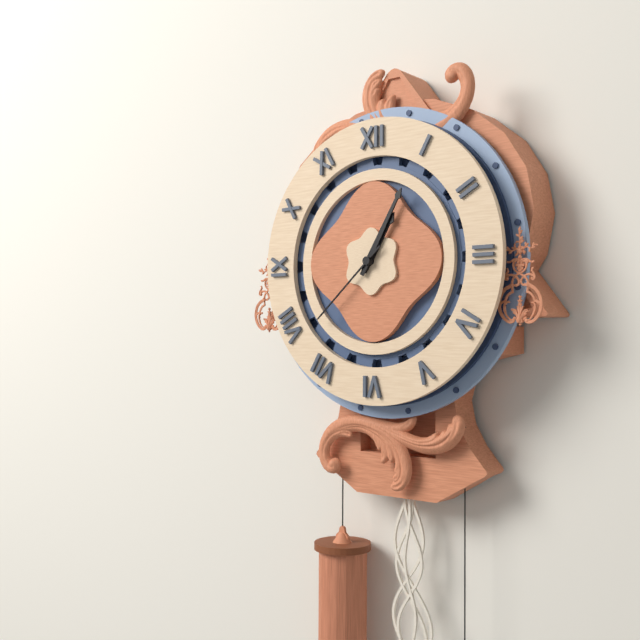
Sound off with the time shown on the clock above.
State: 1:05:38
